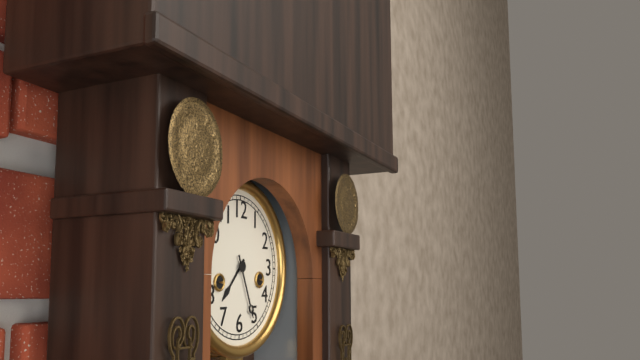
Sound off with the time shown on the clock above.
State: 7:26
